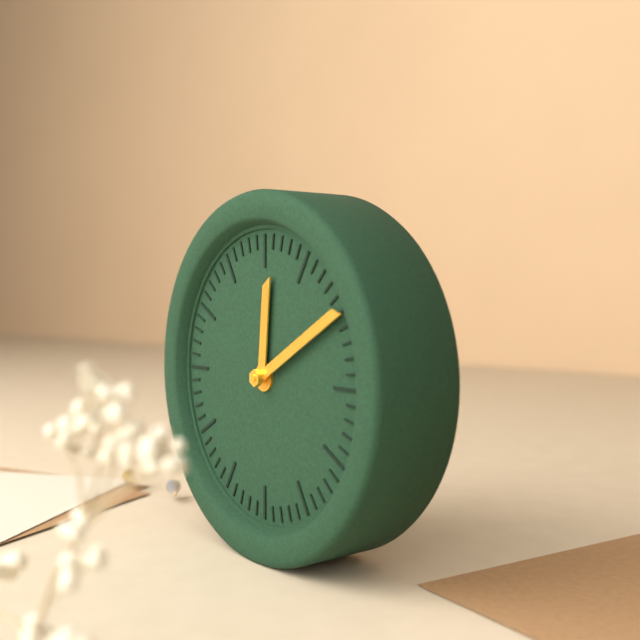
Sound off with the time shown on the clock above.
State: 12:10
